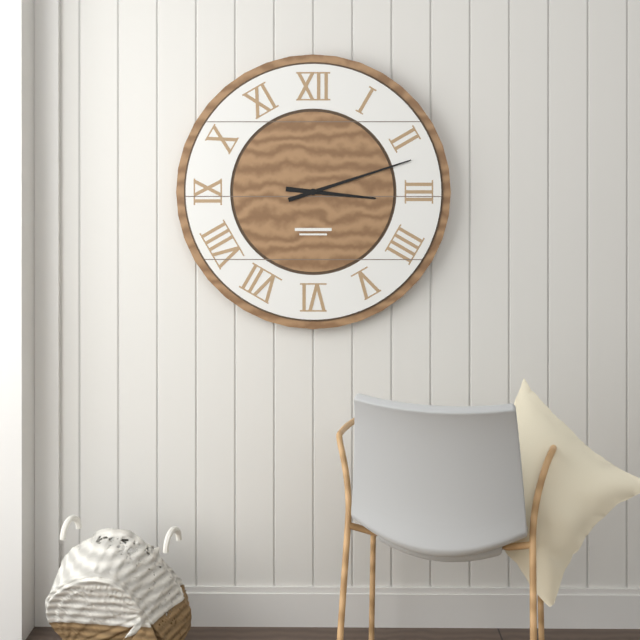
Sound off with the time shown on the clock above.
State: 3:12
